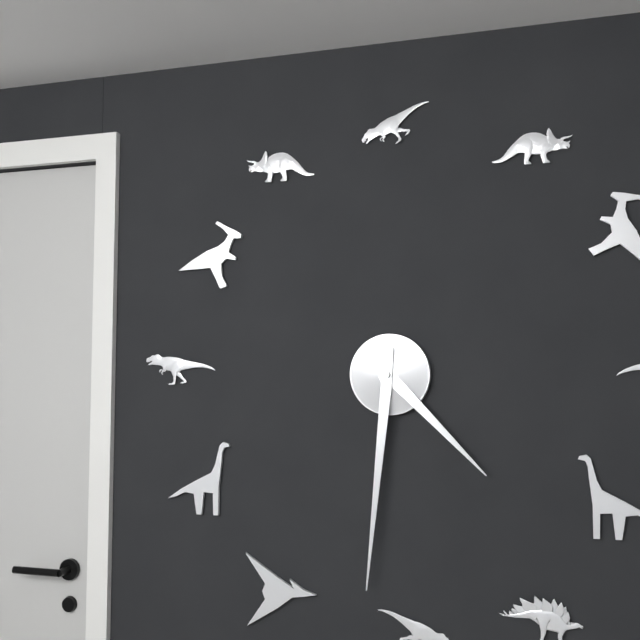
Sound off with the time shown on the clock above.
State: 4:31
